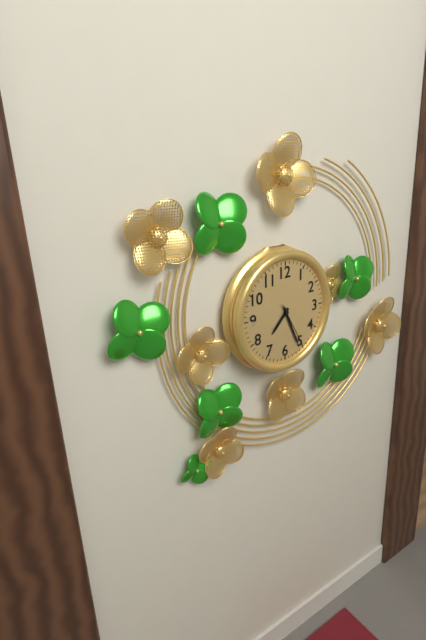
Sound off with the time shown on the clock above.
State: 7:26
